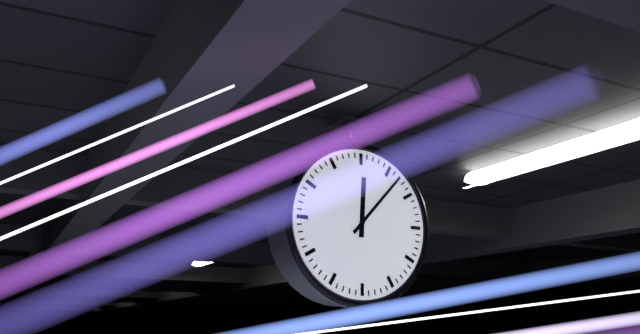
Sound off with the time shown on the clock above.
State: 12:07
